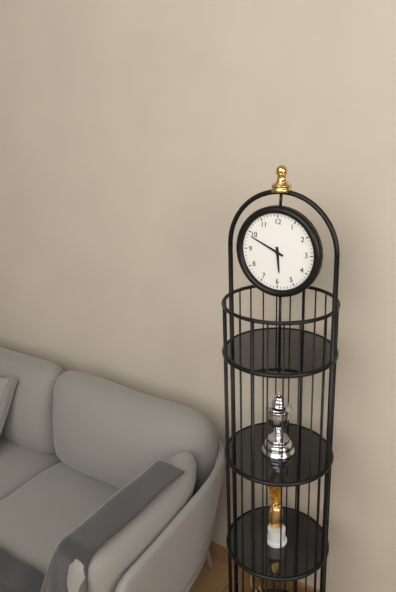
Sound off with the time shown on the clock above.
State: 5:49
